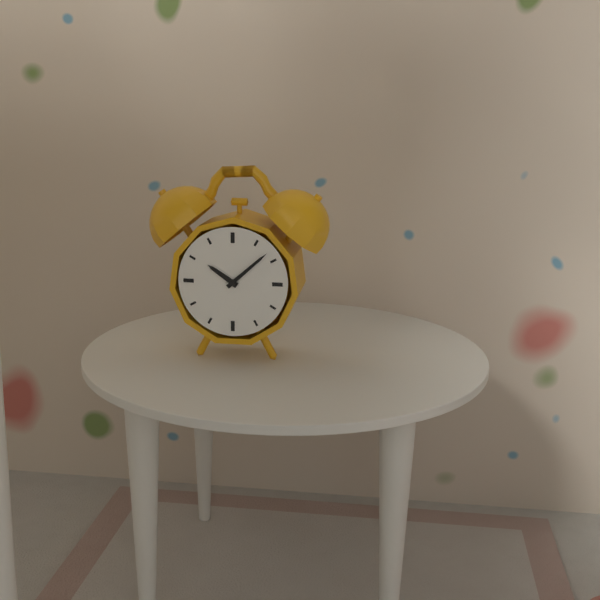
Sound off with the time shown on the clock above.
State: 10:08
